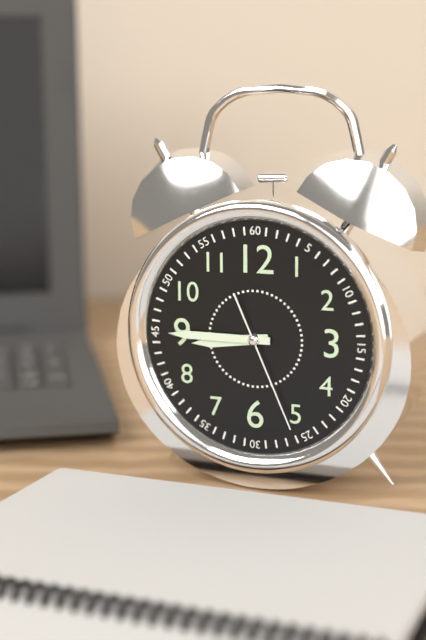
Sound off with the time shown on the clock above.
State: 8:45:26
